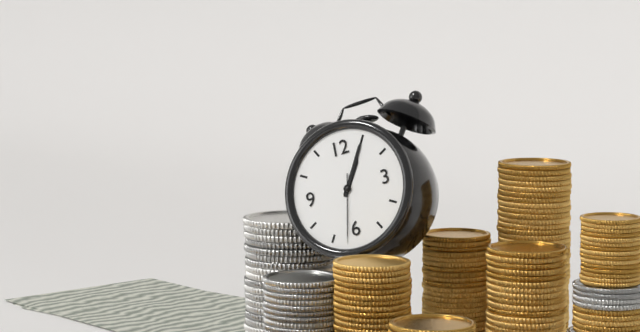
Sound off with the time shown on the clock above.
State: 1:05:32
